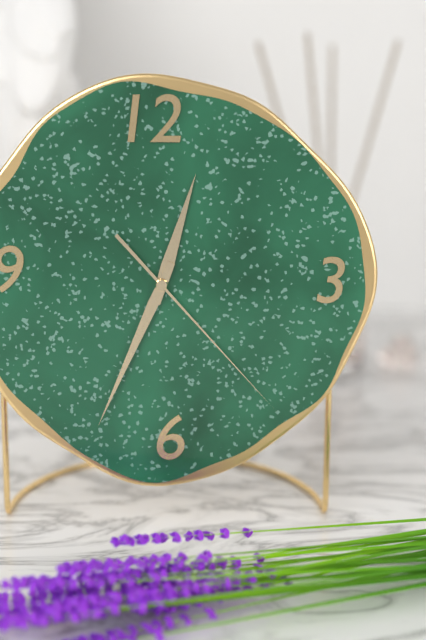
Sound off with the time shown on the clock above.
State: 12:34:23
